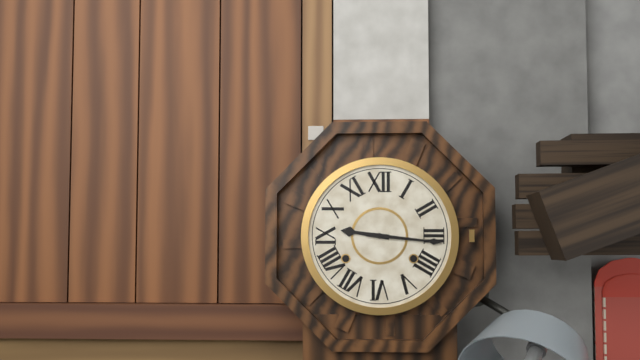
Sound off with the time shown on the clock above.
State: 9:16
